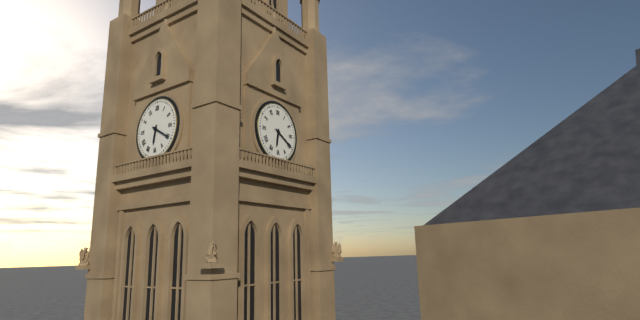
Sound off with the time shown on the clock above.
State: 6:20
